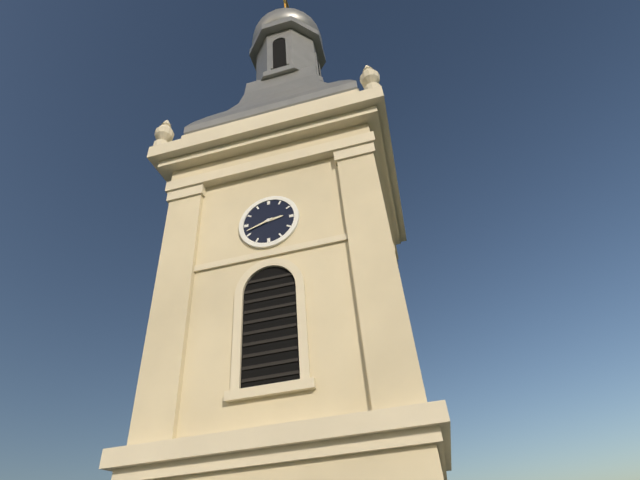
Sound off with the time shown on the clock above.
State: 2:42
